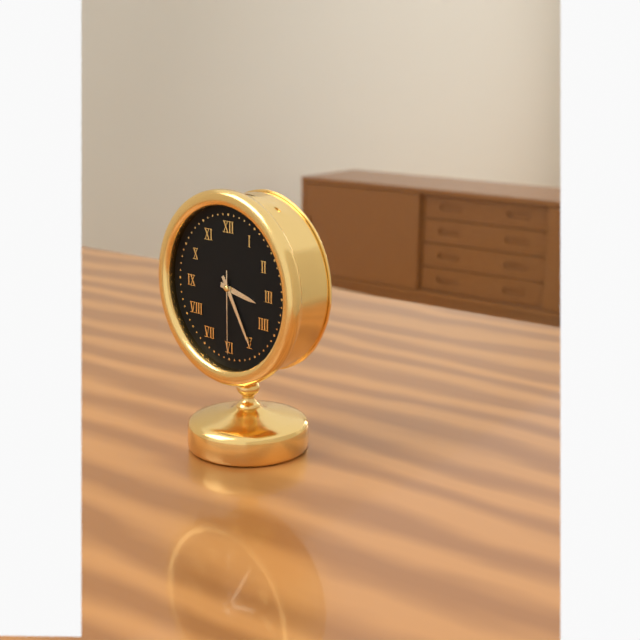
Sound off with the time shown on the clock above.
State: 3:25:30
